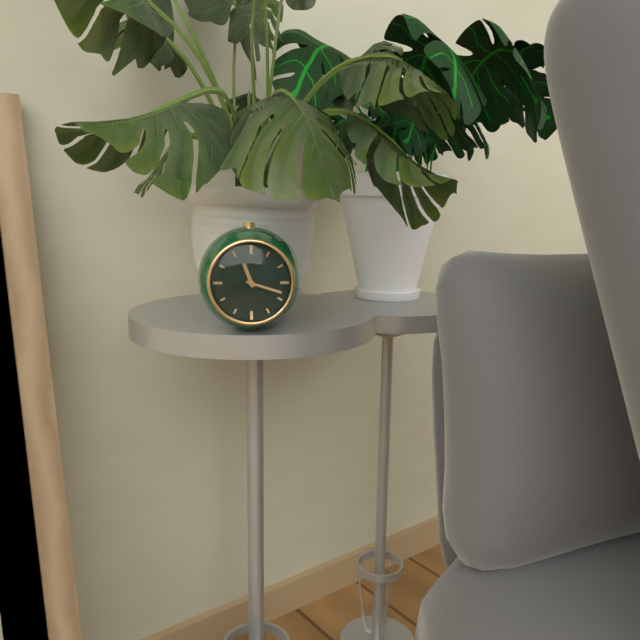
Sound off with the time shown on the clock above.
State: 11:18
